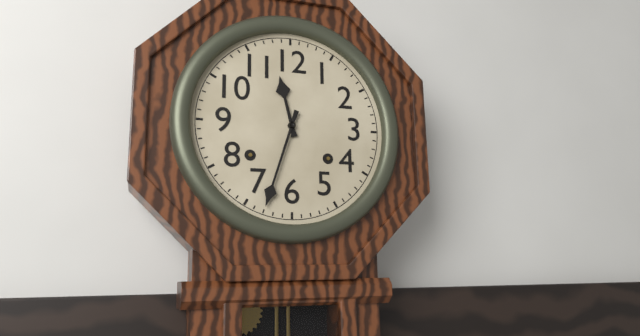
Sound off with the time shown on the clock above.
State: 11:33
